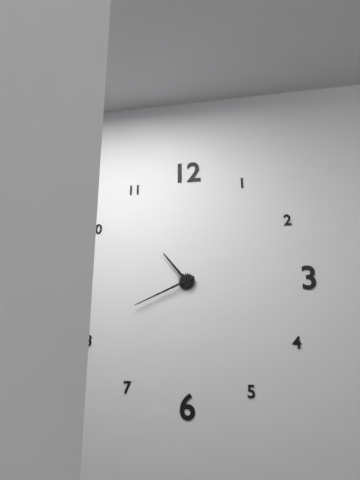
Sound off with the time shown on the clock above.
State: 10:41
